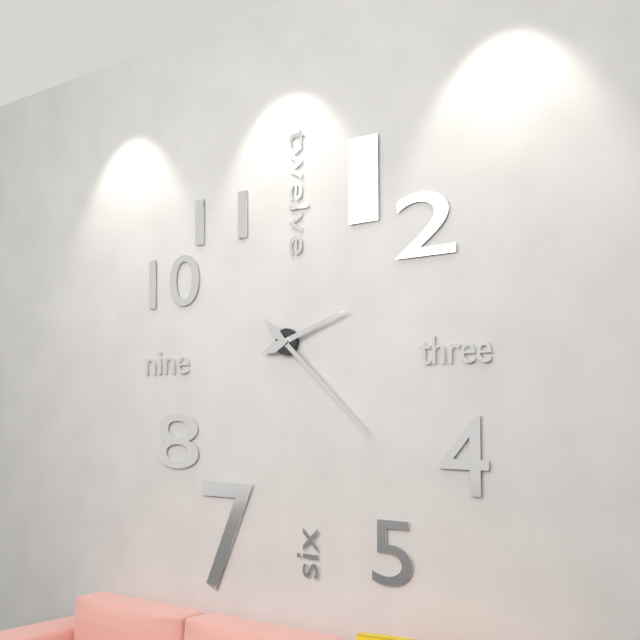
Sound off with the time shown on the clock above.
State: 2:22
